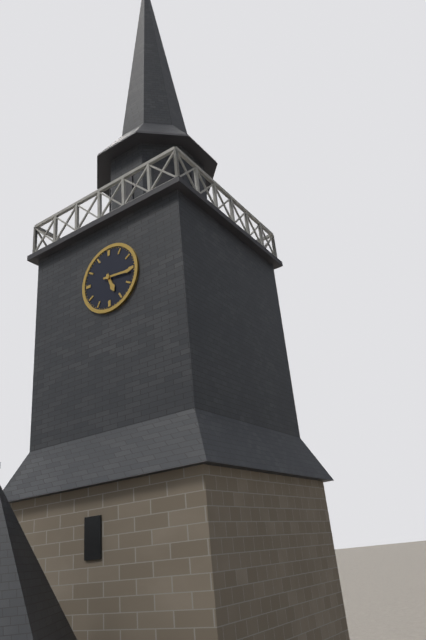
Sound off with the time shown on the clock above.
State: 5:16
